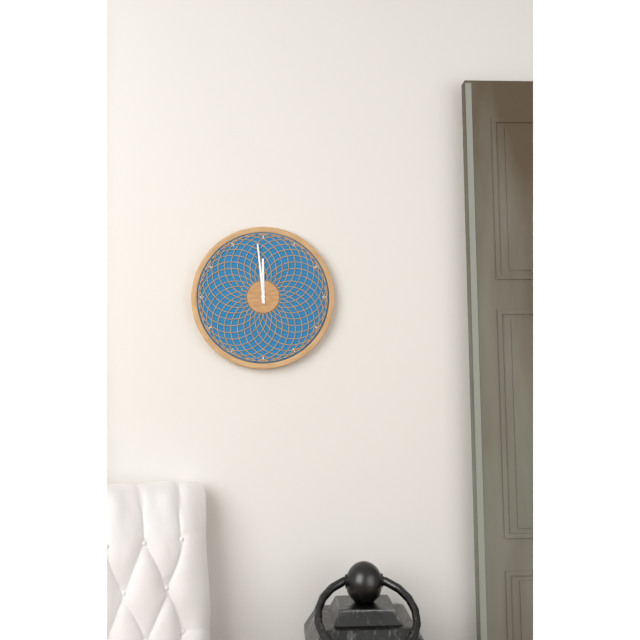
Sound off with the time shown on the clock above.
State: 11:59
